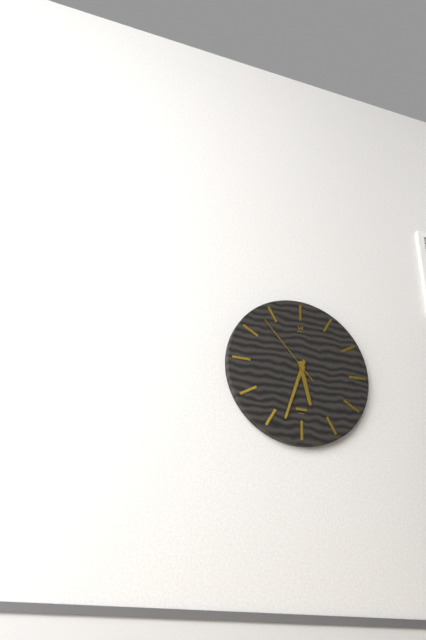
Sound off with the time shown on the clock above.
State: 5:33:53
